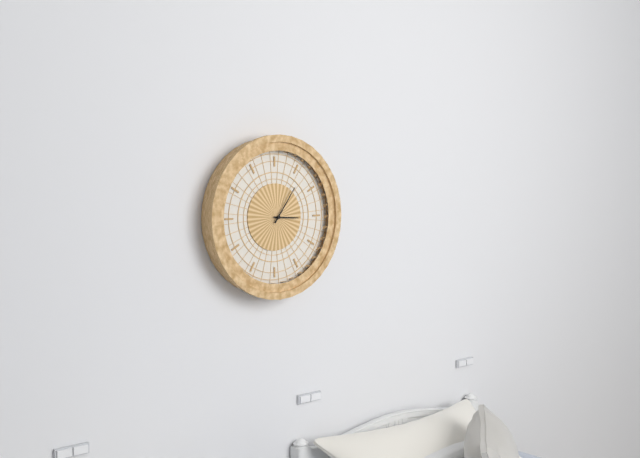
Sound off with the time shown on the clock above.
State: 3:06
